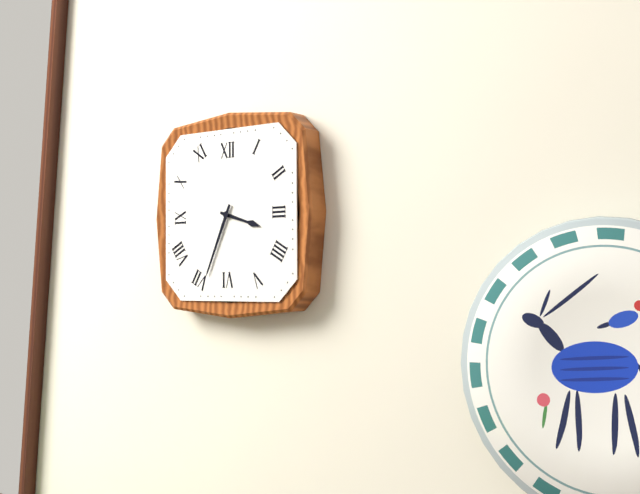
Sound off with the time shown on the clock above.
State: 3:34
